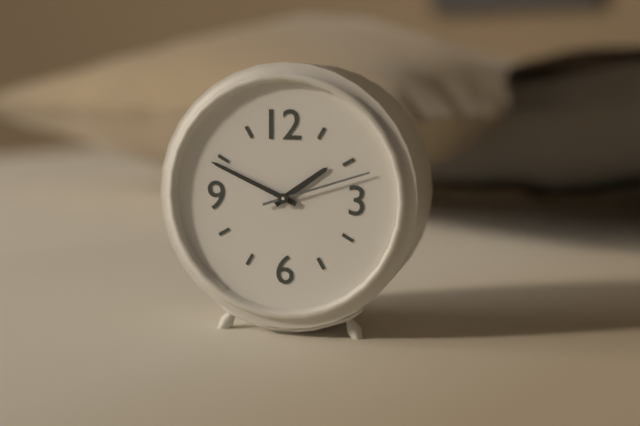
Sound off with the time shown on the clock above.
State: 1:49:12
